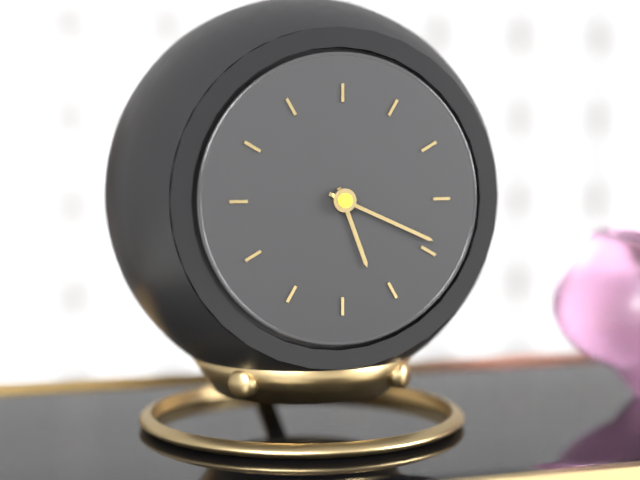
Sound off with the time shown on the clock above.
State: 5:19
